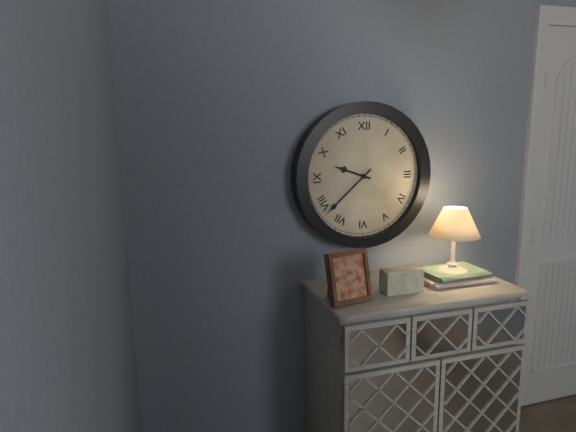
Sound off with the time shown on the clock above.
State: 9:38
